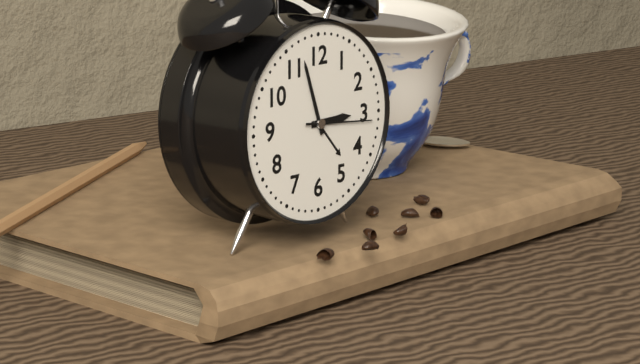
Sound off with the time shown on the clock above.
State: 2:57:16
